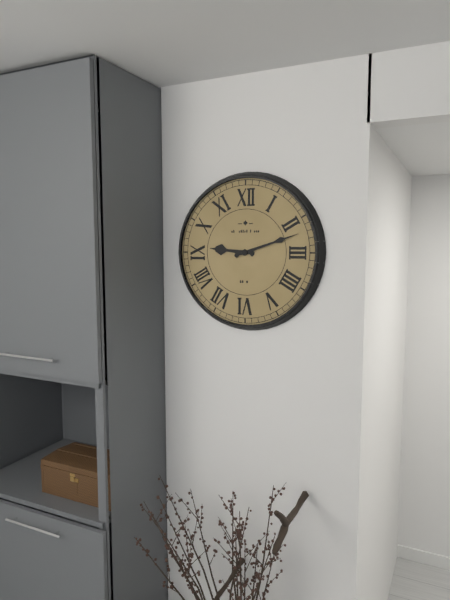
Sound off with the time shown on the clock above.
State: 9:12
